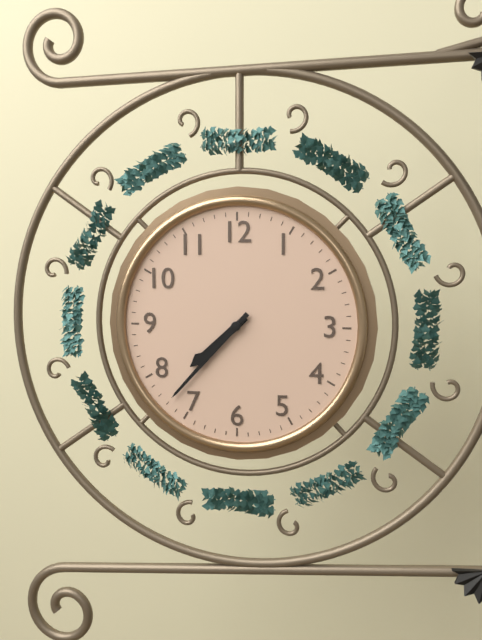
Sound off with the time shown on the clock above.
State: 7:37
